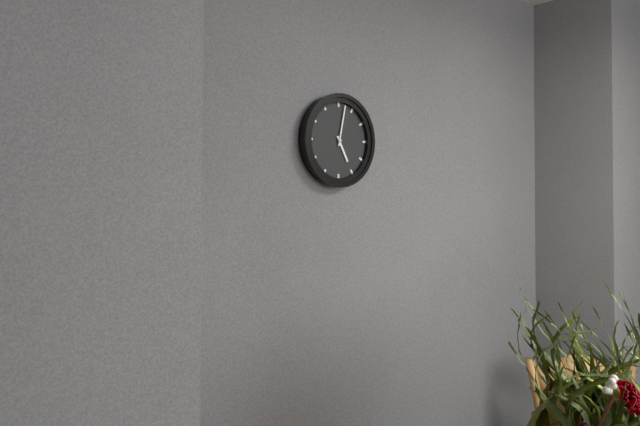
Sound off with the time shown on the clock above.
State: 5:02
